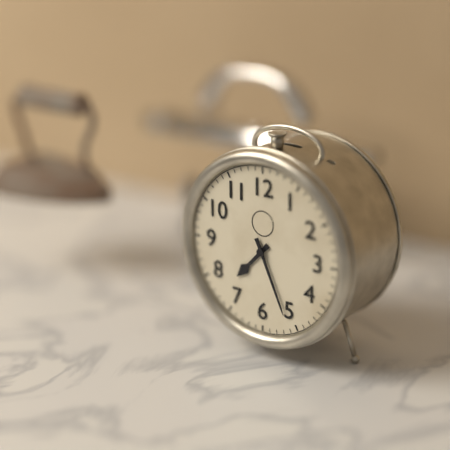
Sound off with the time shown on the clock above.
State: 7:26
